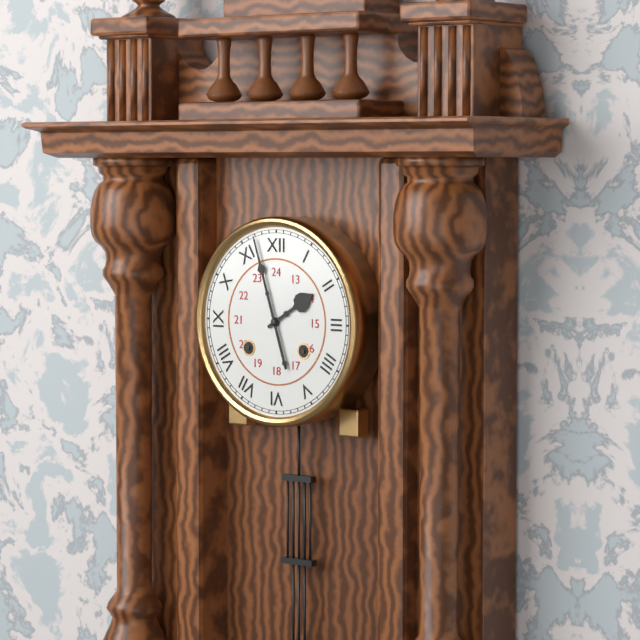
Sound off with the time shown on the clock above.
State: 1:57
